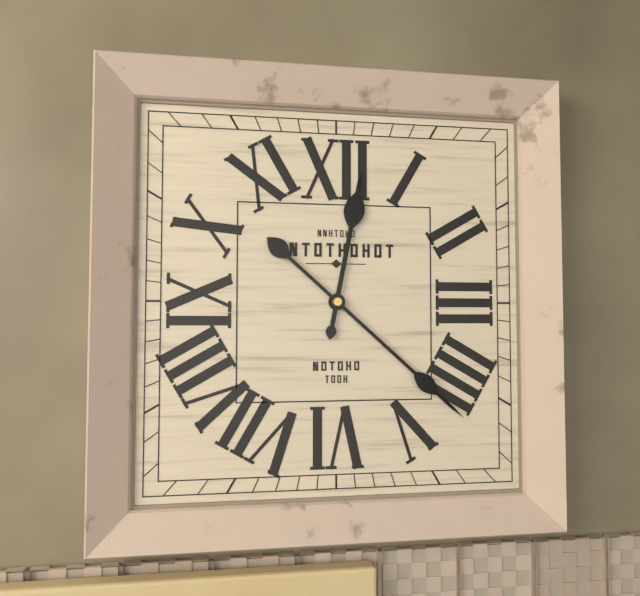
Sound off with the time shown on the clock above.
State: 12:22
